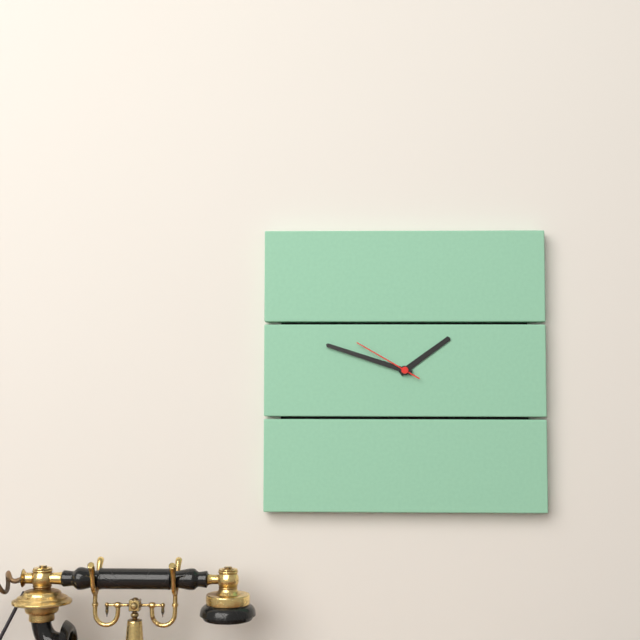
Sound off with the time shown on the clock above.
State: 1:48:50
